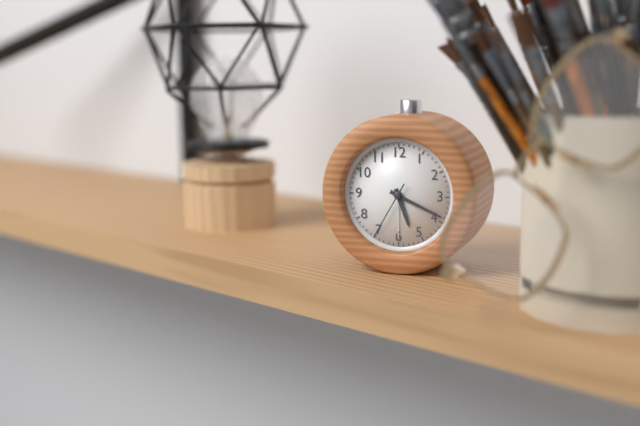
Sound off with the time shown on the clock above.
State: 5:19:35
